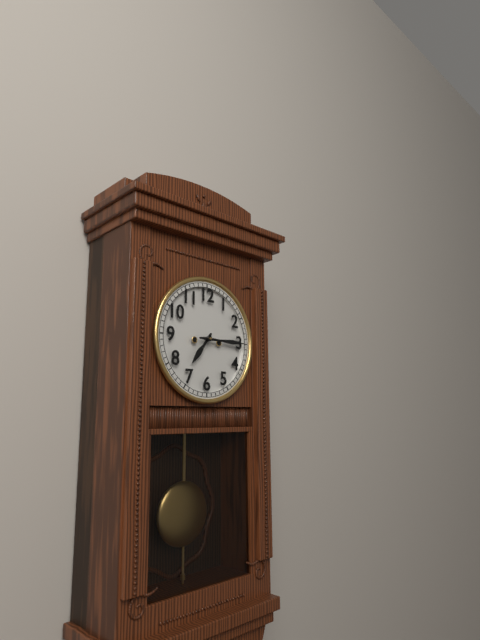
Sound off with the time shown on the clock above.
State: 7:15
